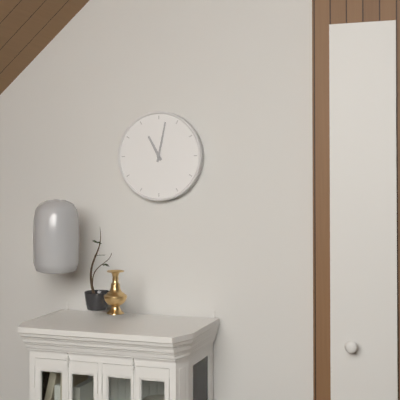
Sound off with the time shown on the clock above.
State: 11:02
